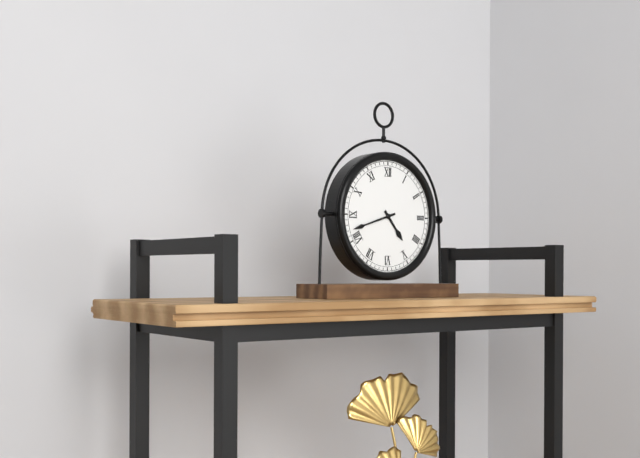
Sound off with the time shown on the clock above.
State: 4:42
